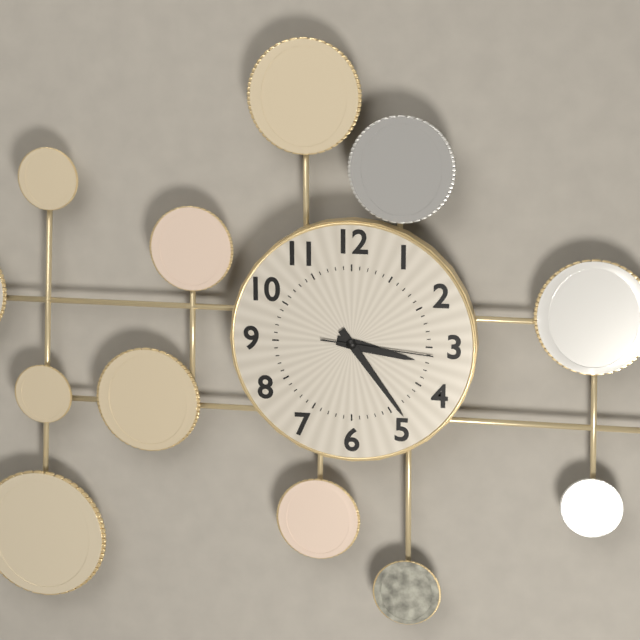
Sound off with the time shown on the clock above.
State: 3:24:16
